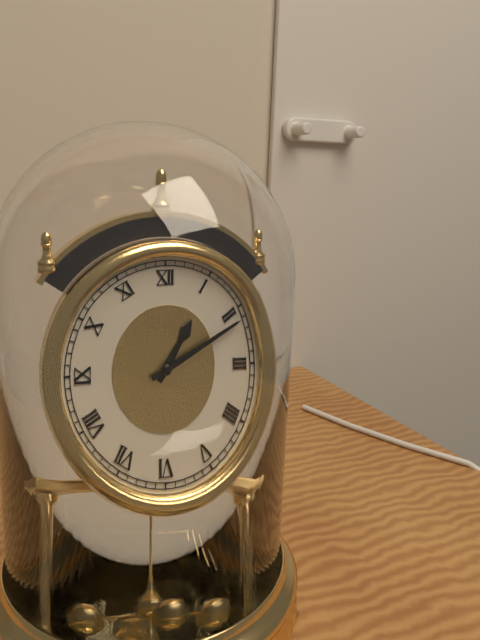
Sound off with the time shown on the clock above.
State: 1:11
